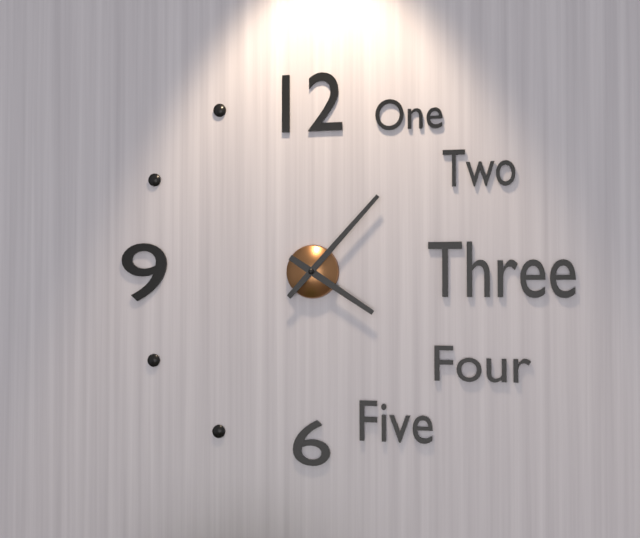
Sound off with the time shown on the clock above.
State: 4:07
